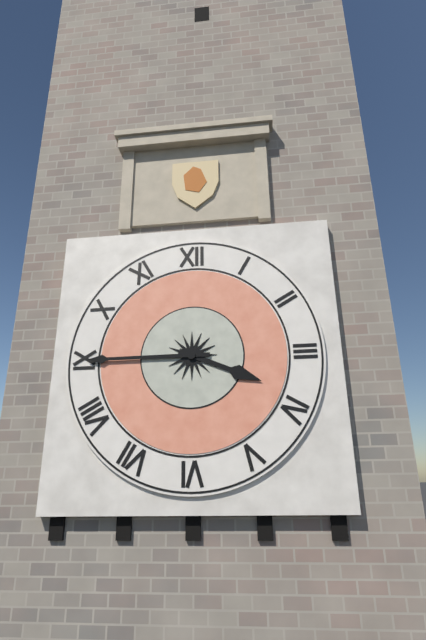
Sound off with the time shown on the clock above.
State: 3:45
